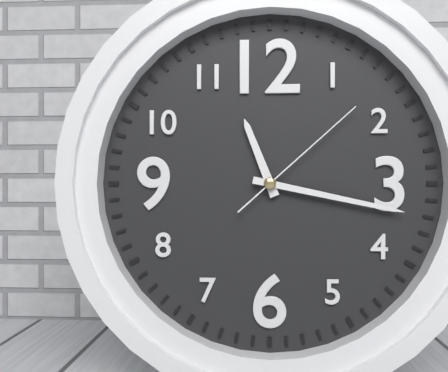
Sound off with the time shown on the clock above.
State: 11:17:08
